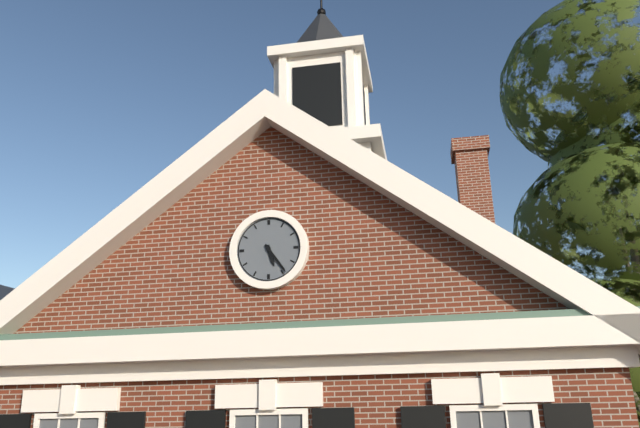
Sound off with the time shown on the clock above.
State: 5:24
